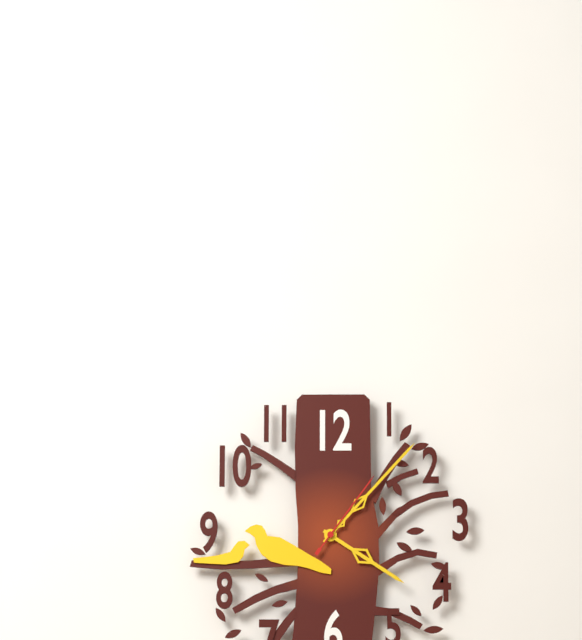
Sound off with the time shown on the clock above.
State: 4:07:06
